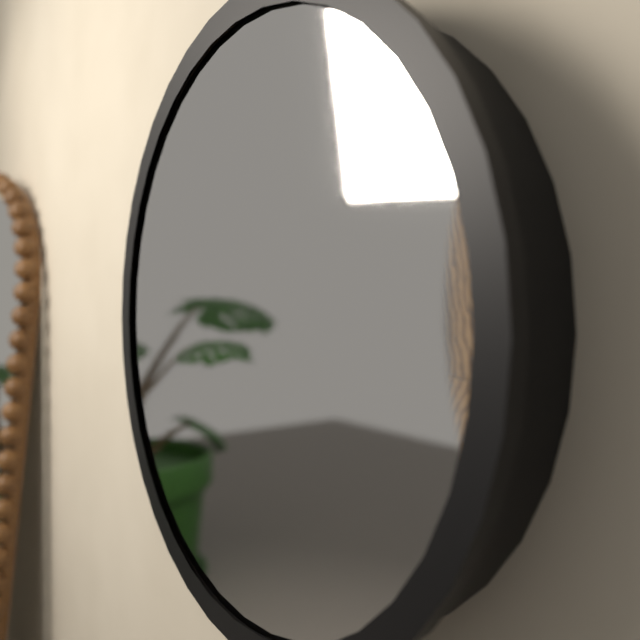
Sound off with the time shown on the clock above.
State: 2:23
